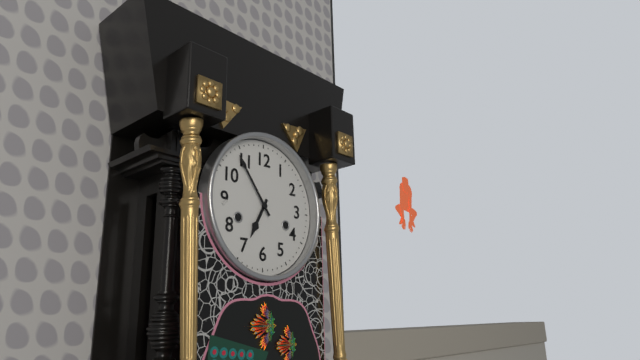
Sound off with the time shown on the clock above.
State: 6:54
